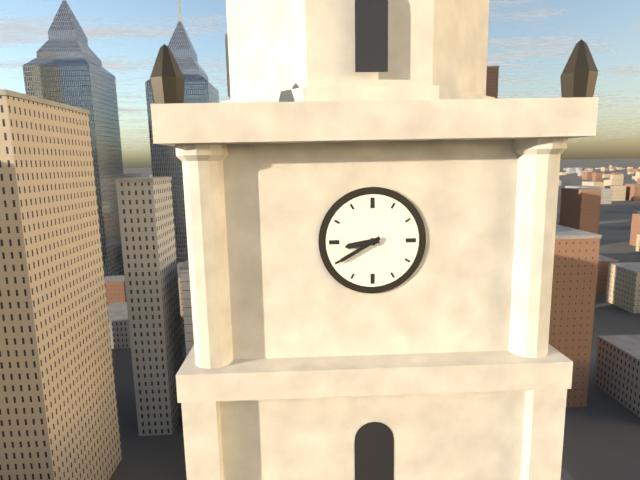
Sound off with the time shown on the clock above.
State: 8:40
